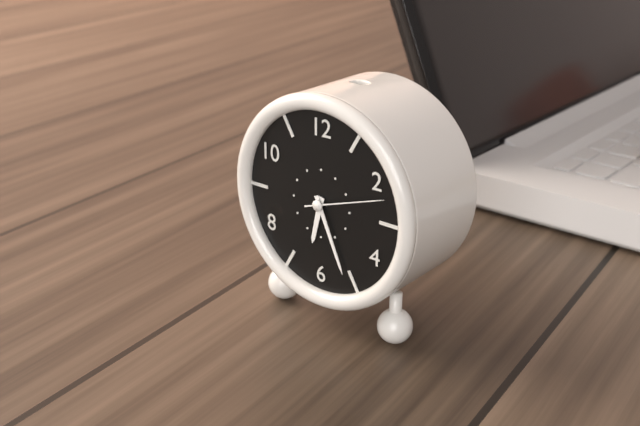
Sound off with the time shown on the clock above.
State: 6:26:12
